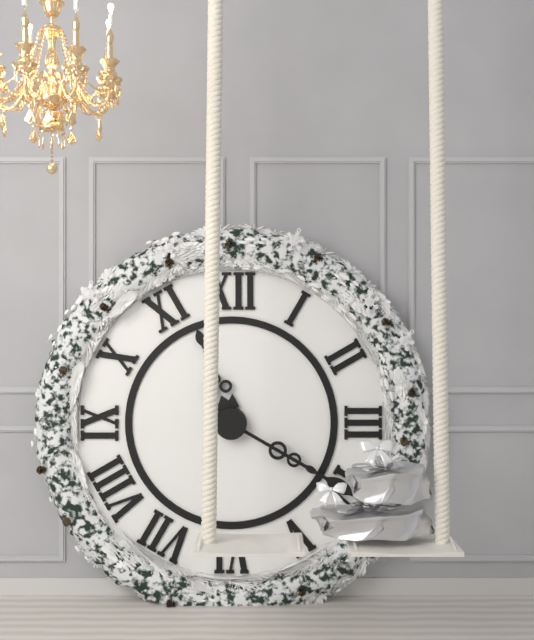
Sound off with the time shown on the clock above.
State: 11:20
